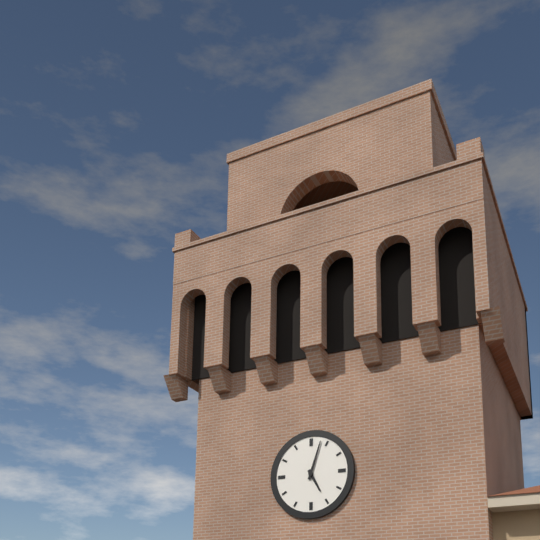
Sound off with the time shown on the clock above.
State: 5:03
